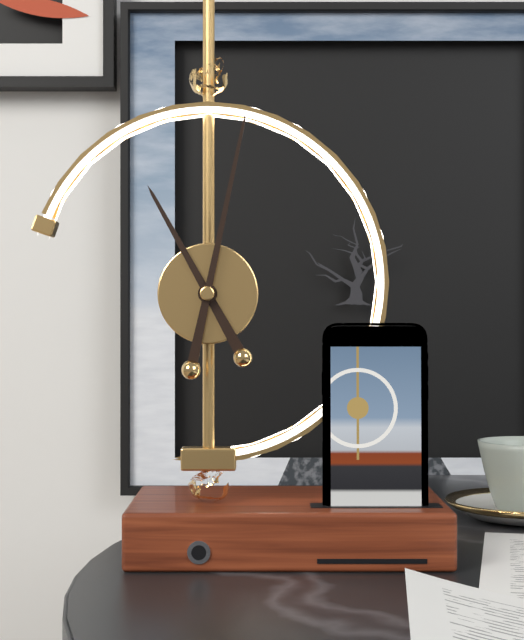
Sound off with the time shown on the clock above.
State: 11:02
